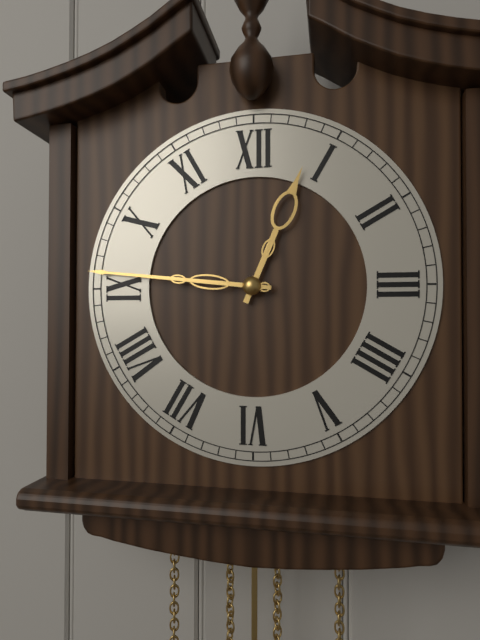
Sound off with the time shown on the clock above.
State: 12:46
